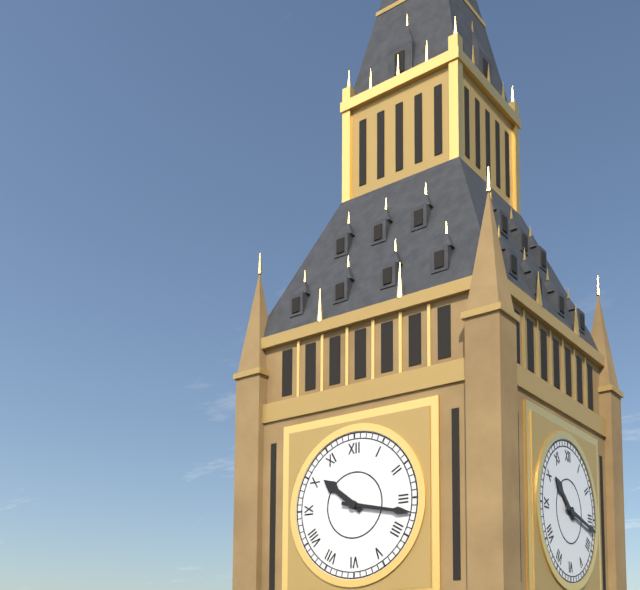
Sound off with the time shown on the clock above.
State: 10:17
